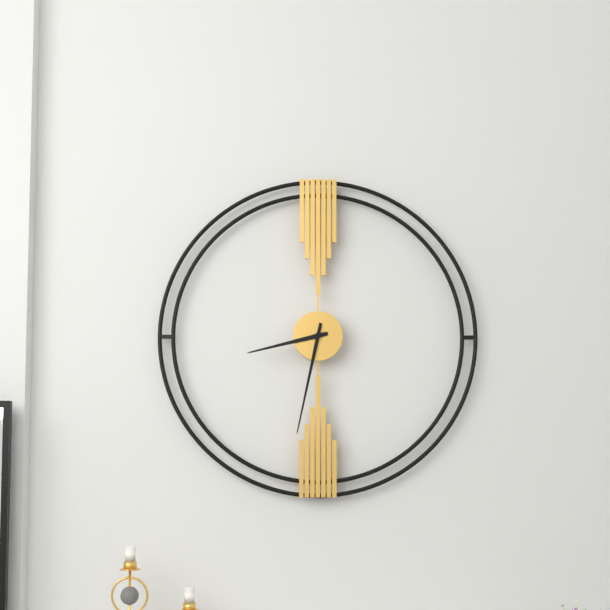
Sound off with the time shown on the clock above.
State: 8:32
